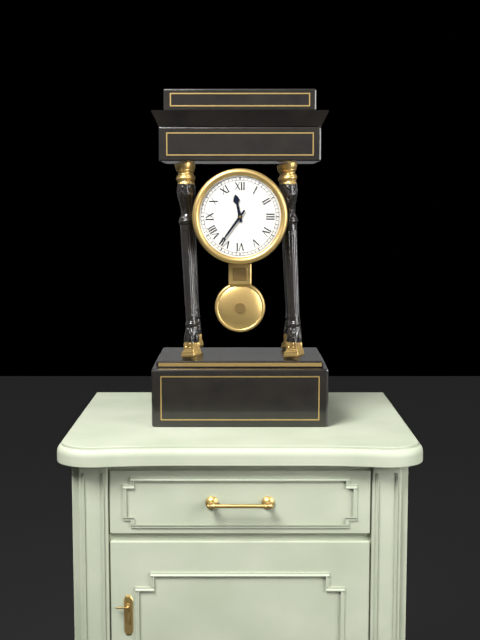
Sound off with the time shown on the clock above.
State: 11:36
